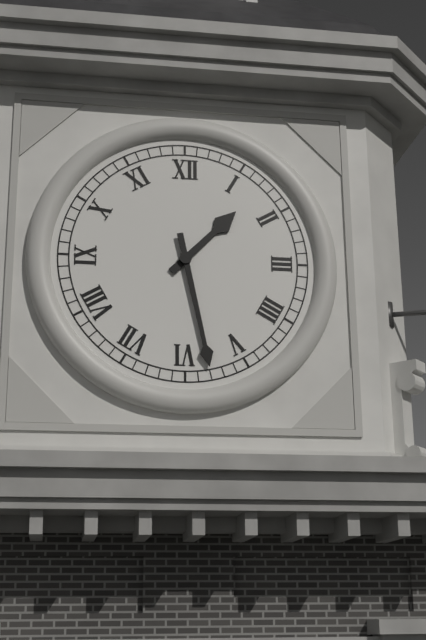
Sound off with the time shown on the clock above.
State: 1:28
